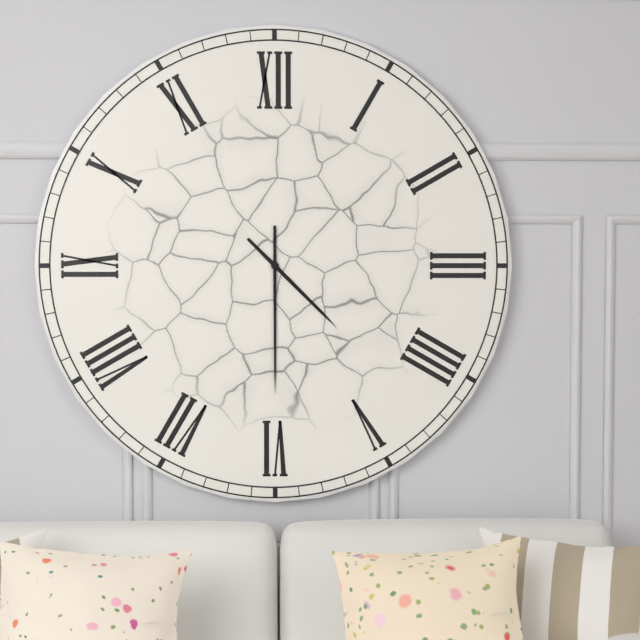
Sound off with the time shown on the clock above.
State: 4:30
